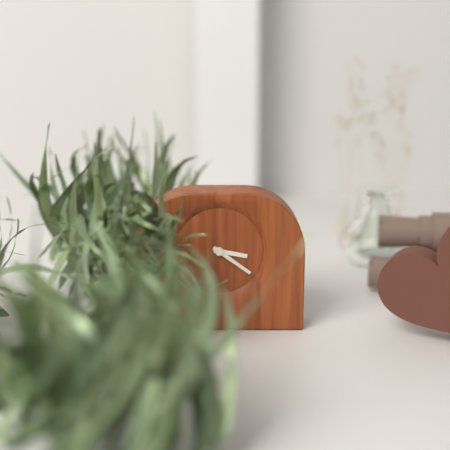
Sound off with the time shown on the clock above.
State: 3:21
